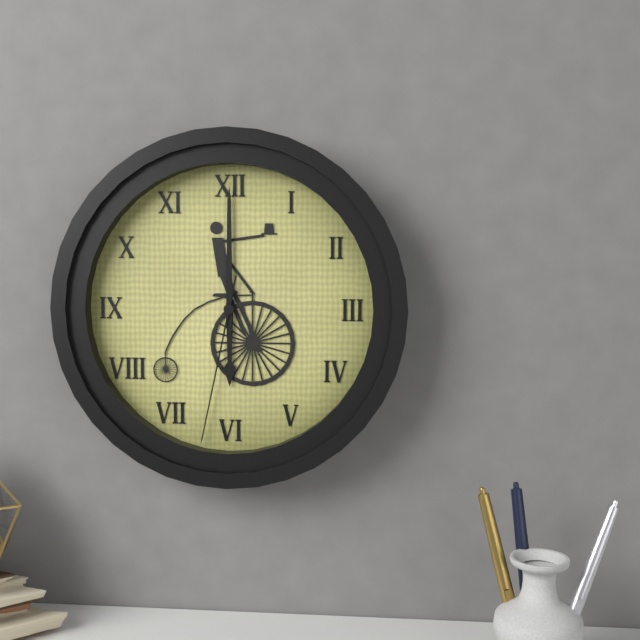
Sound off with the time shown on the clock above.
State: 6:00:32
